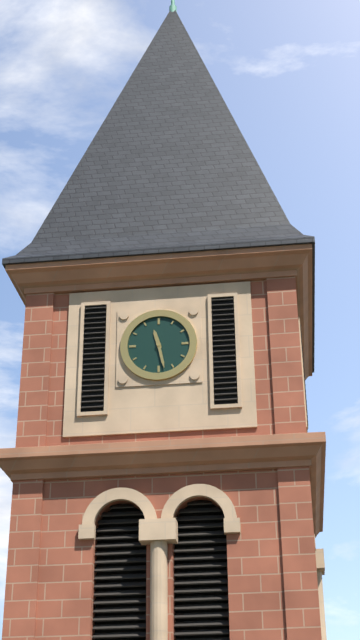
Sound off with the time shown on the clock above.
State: 11:28
